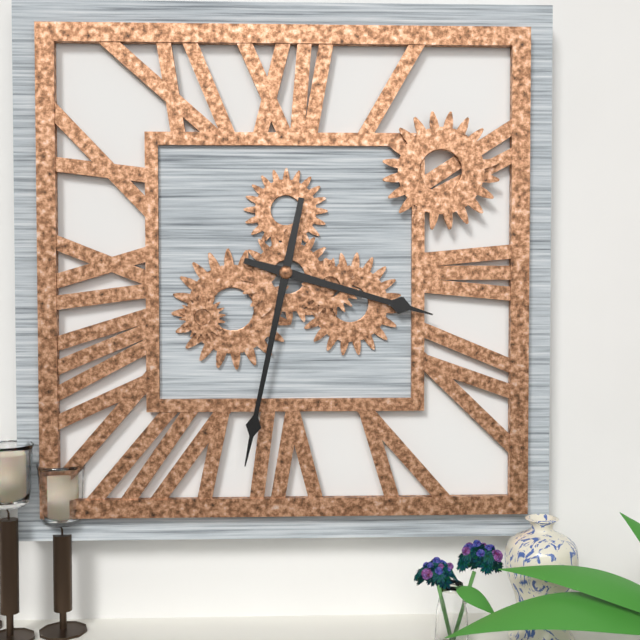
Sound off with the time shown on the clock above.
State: 3:32
